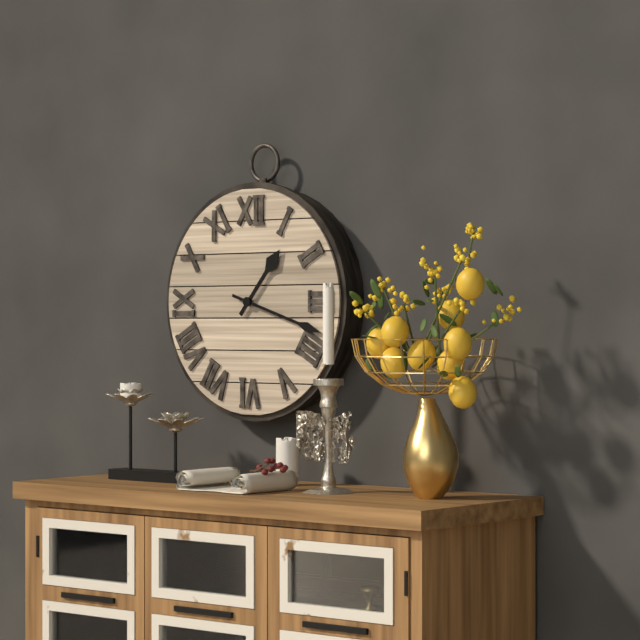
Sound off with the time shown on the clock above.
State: 1:18
